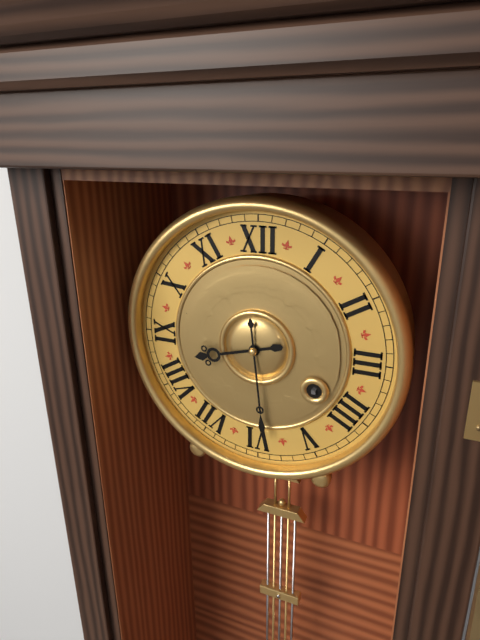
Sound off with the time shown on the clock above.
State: 8:29
